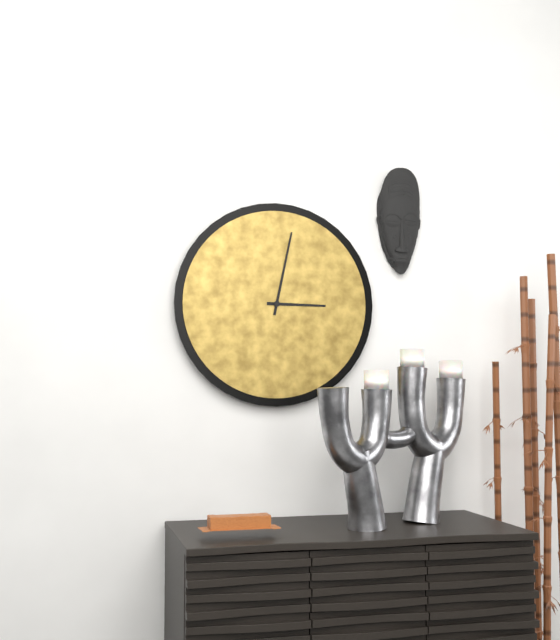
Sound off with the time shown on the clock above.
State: 3:02
